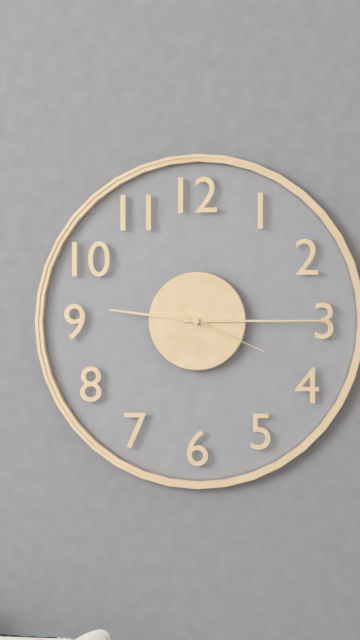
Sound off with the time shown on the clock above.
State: 9:15:19
